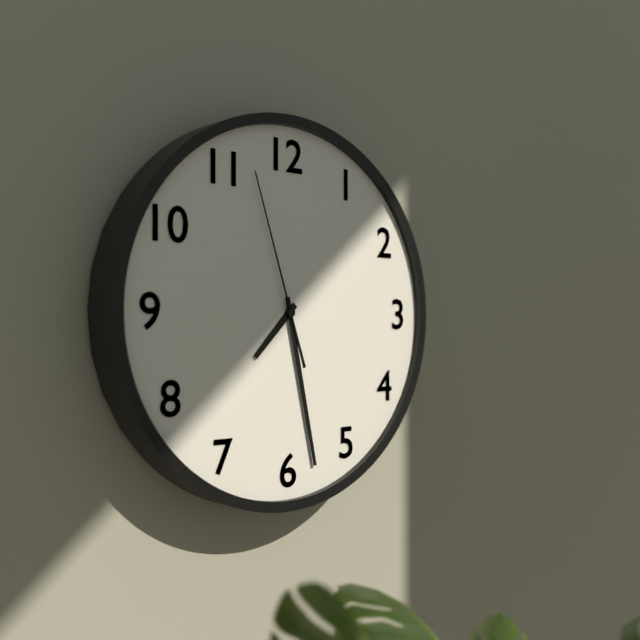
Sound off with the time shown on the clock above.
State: 7:28:57
